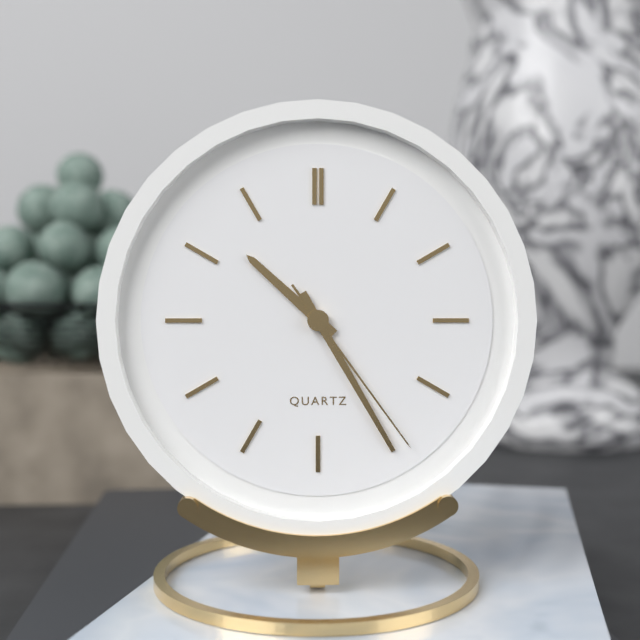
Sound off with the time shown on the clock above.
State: 10:25:24
